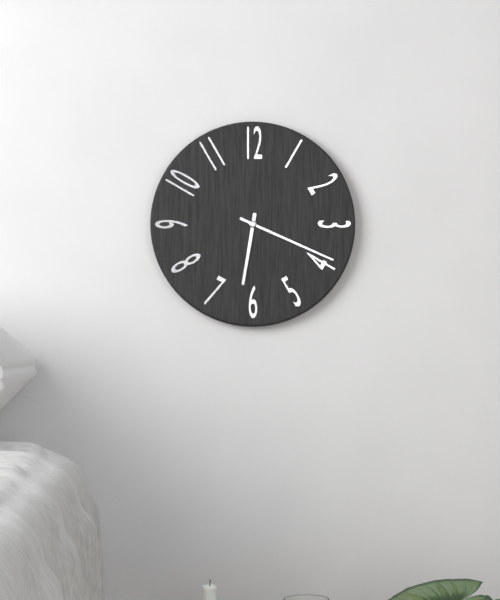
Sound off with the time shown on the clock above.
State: 6:19
